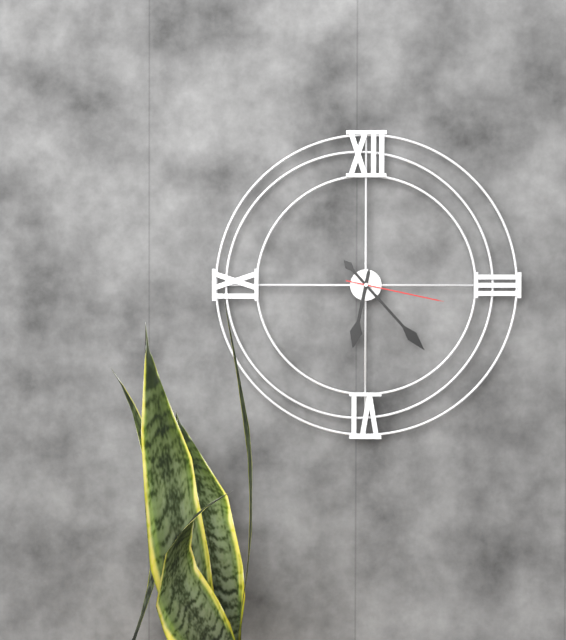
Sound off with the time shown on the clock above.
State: 6:23:17
